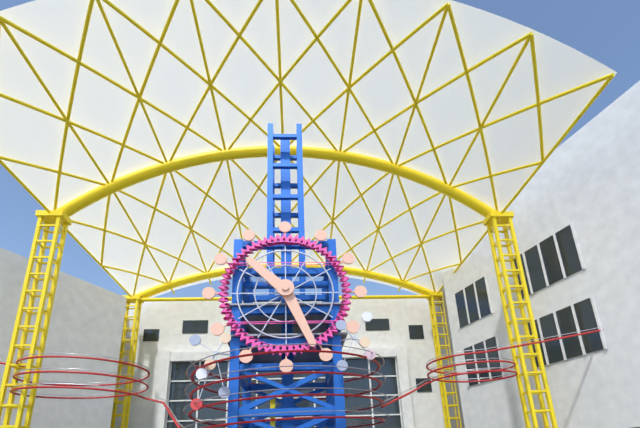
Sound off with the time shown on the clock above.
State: 10:26
